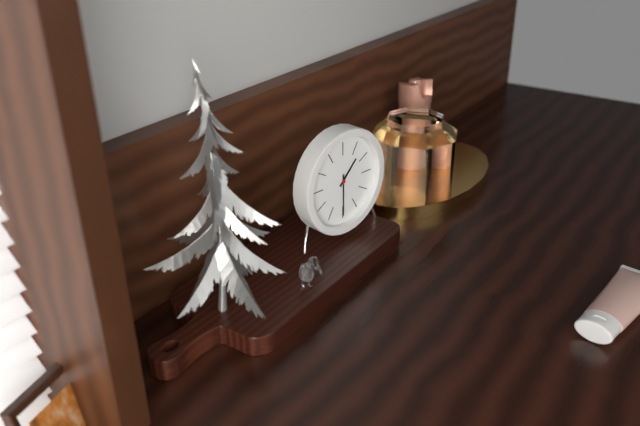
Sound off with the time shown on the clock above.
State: 1:30
